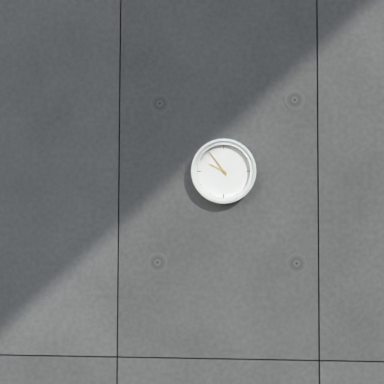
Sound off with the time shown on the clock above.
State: 9:54
